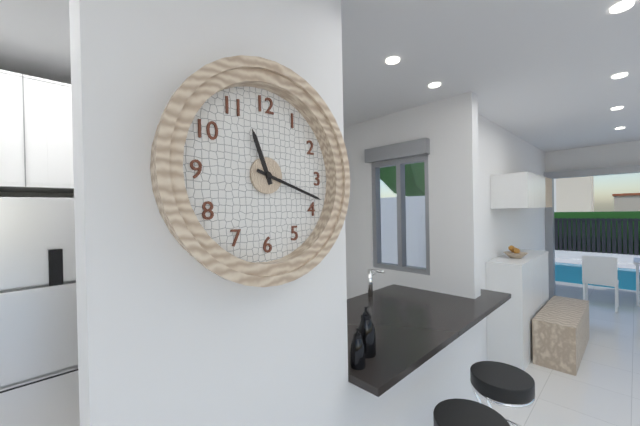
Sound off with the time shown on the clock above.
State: 11:18
